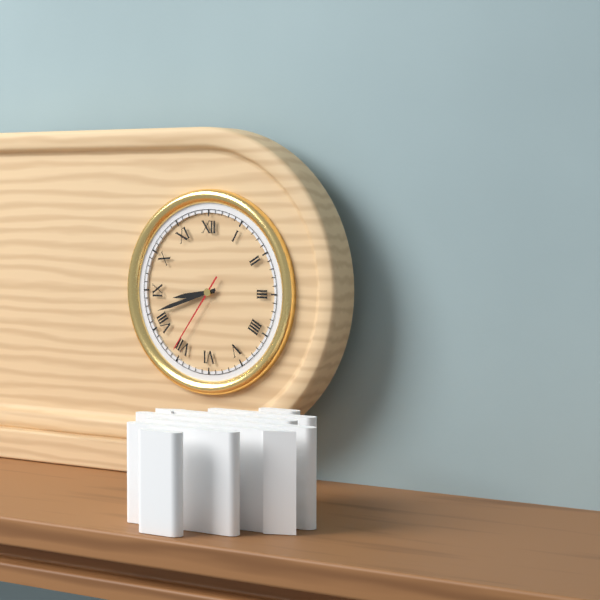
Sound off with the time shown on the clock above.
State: 8:42:36
